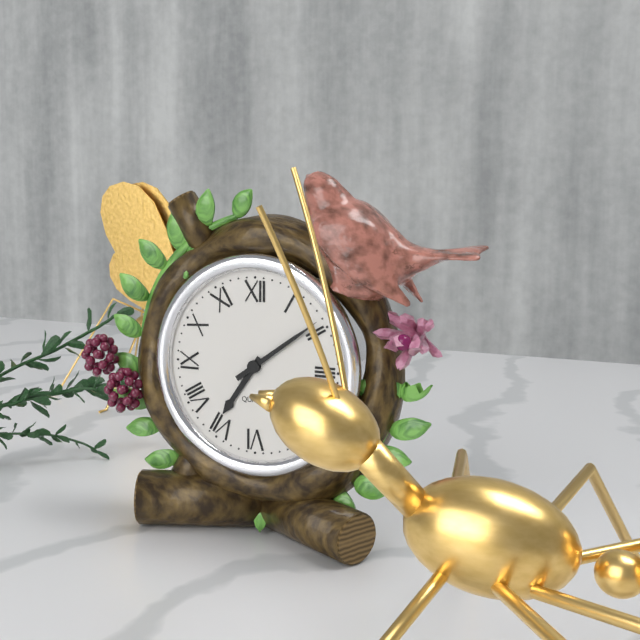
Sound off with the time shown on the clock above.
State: 7:09
